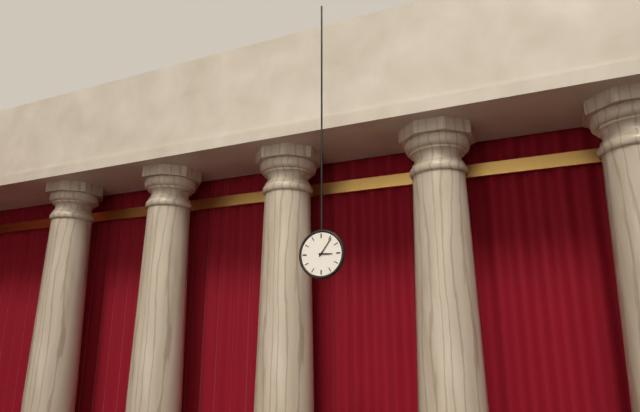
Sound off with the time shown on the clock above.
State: 3:06
